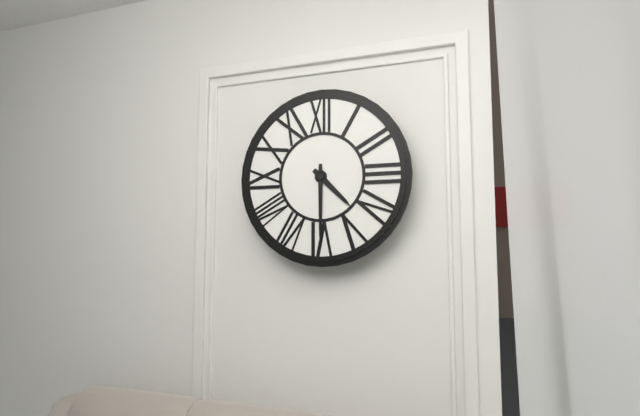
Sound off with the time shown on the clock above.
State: 4:30
